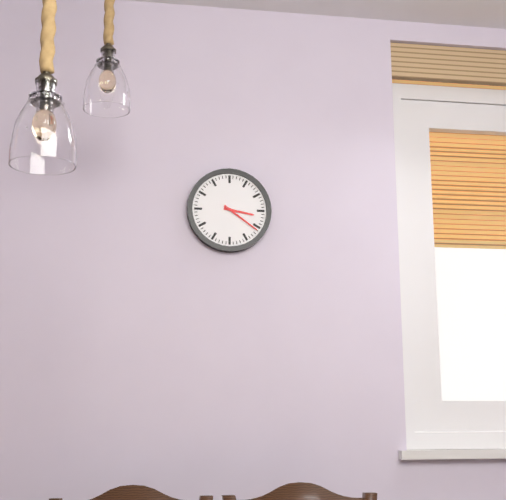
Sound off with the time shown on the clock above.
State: 3:21
